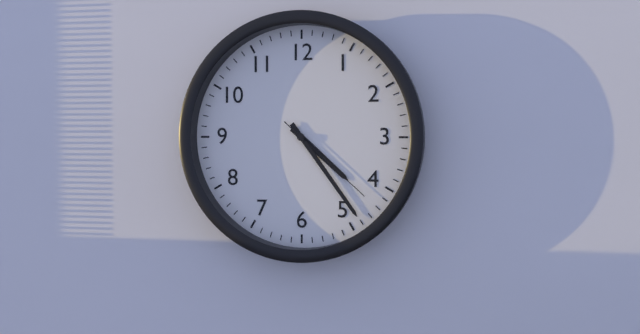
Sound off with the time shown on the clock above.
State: 4:24:22
